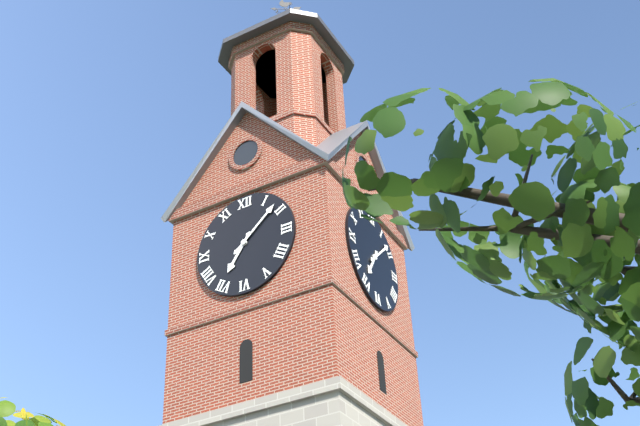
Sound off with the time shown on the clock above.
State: 7:08
